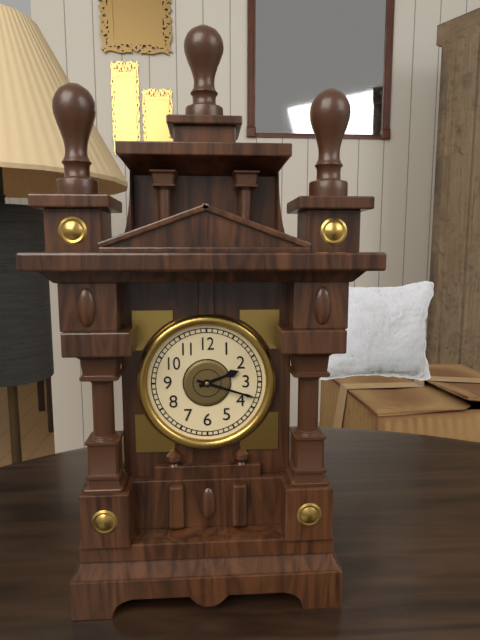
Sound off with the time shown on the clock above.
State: 2:18
